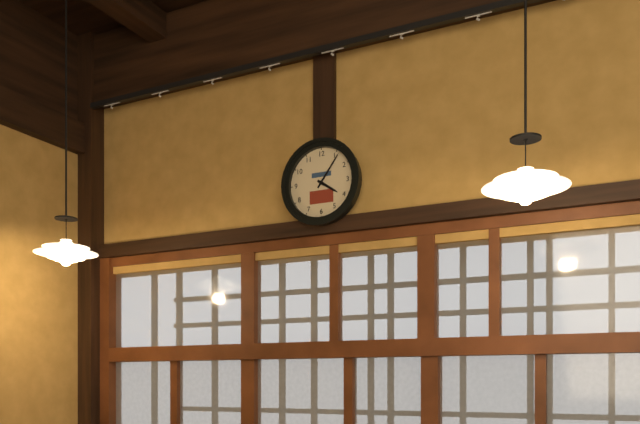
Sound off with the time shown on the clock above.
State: 4:06
